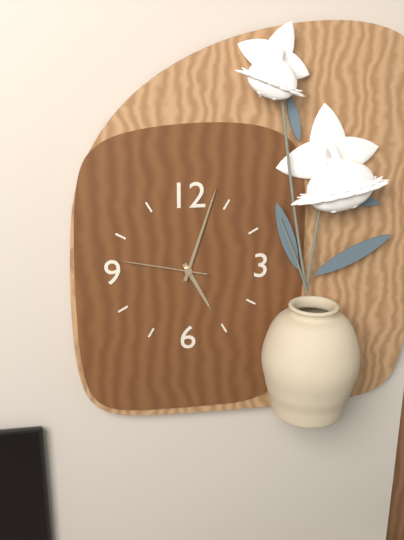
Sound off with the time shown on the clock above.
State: 5:03:47
